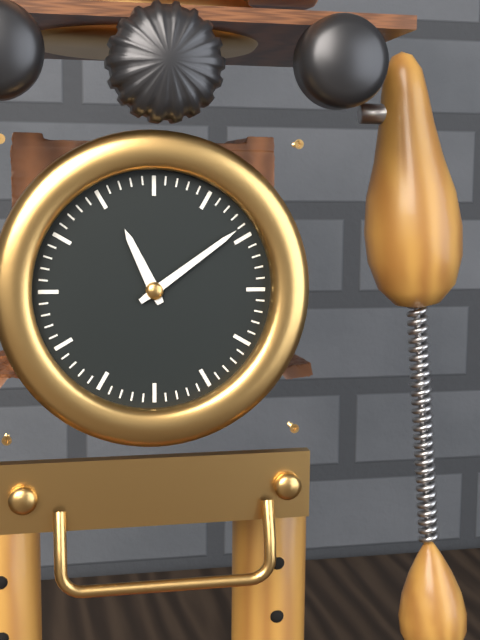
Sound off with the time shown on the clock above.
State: 11:09
